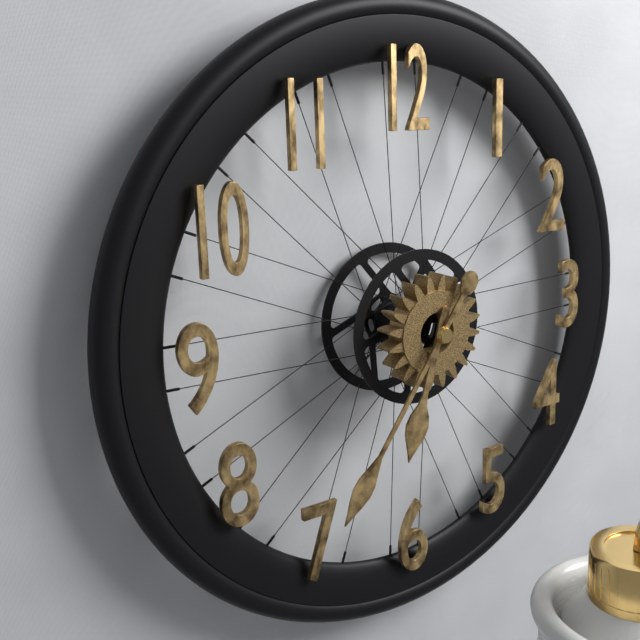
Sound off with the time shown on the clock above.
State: 6:36
